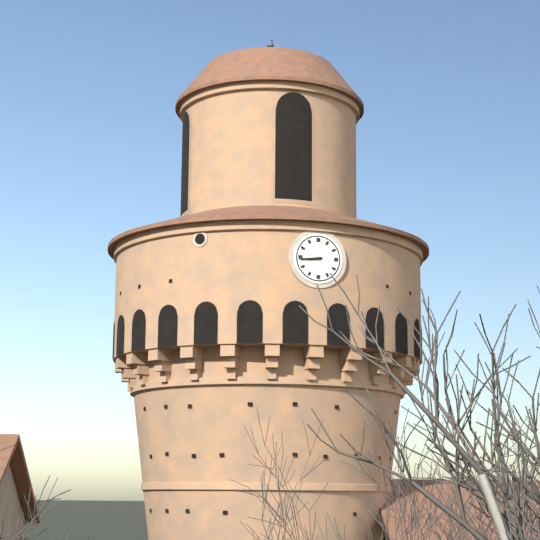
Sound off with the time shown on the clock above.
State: 8:44
